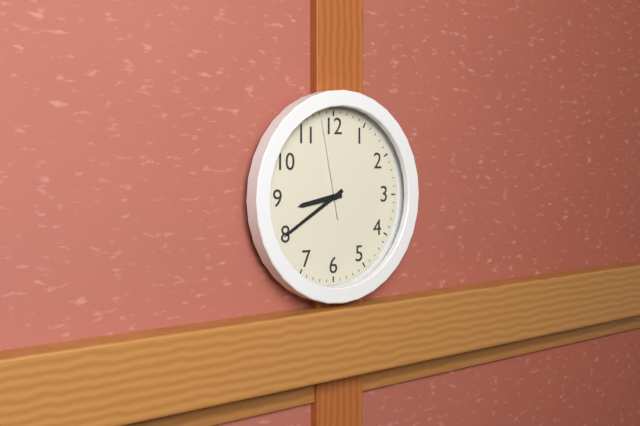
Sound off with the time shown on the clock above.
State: 8:40:58
